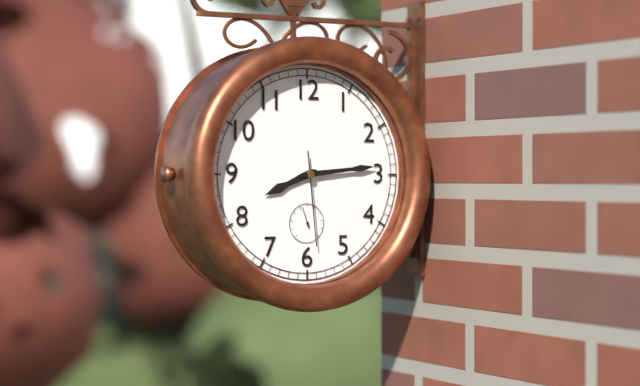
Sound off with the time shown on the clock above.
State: 8:14:29
